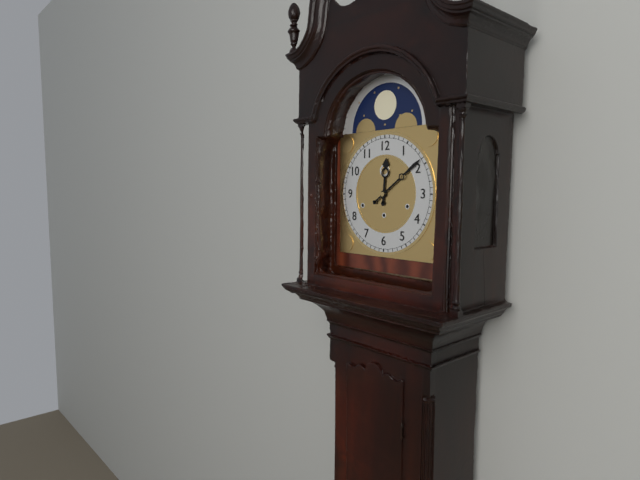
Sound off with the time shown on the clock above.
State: 12:09
